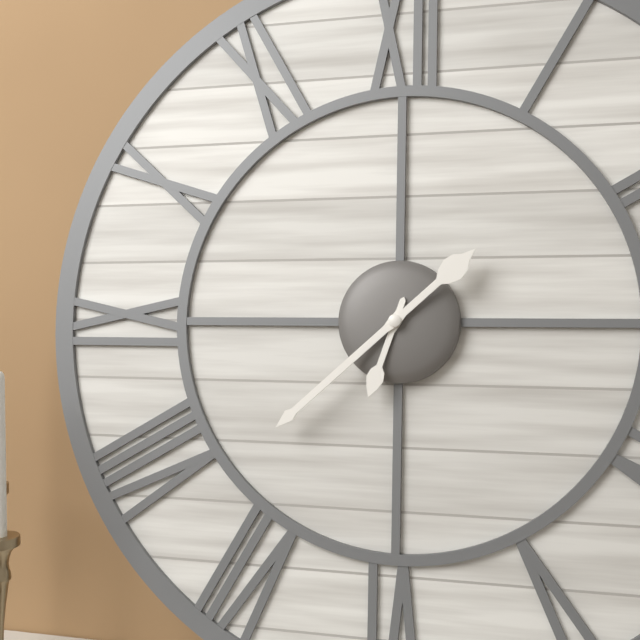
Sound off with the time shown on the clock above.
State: 6:38
